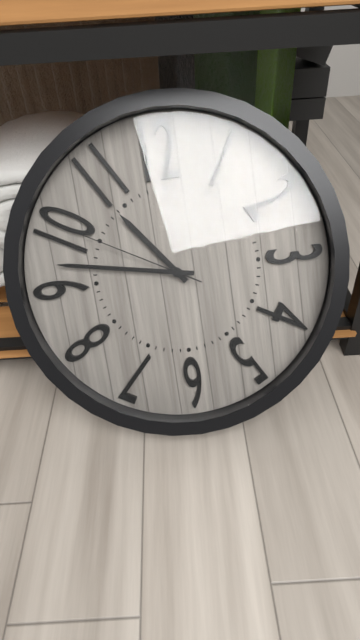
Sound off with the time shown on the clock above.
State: 10:47:50
